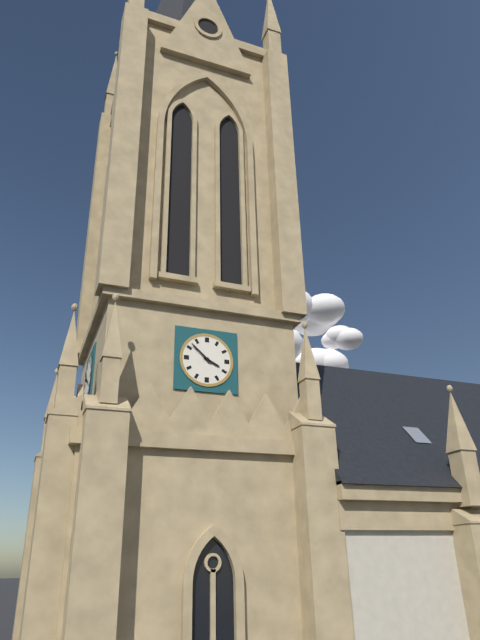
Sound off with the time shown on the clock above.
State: 3:52
